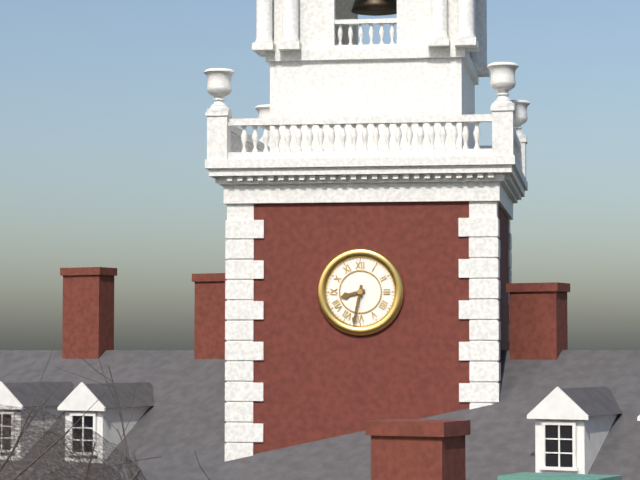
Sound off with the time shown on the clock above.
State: 8:32
